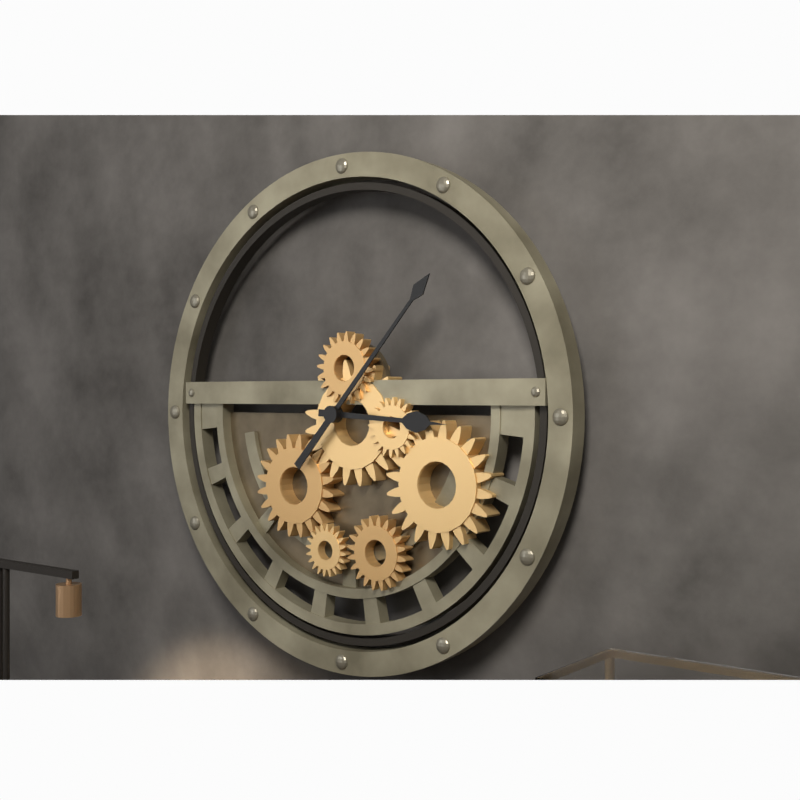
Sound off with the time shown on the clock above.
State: 3:07
